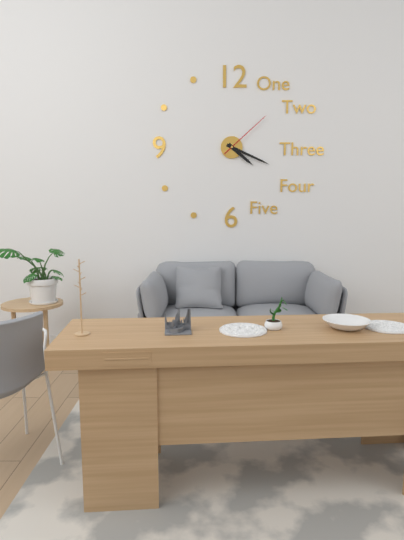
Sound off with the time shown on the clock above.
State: 4:19:08
